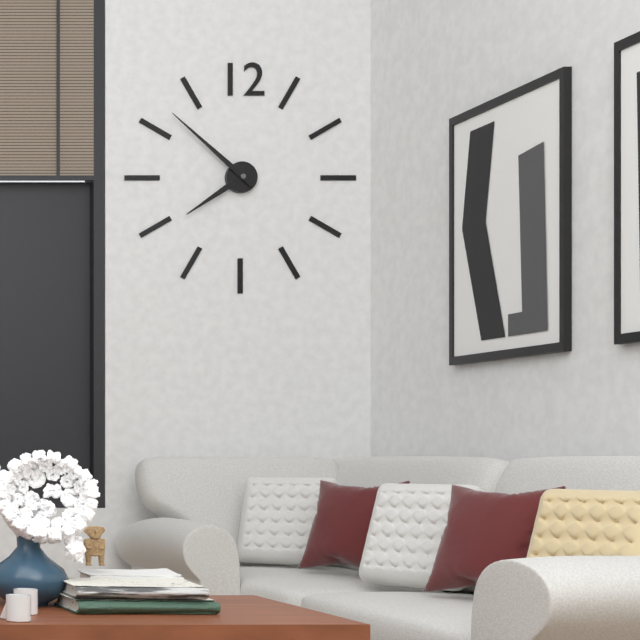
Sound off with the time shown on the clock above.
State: 7:52
